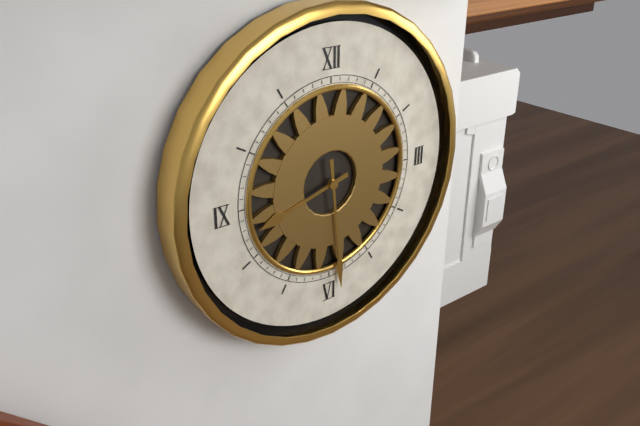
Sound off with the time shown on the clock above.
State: 8:29
